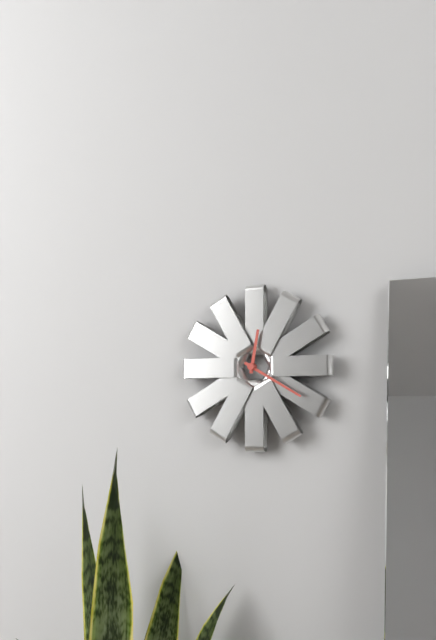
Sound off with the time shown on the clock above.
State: 12:20
